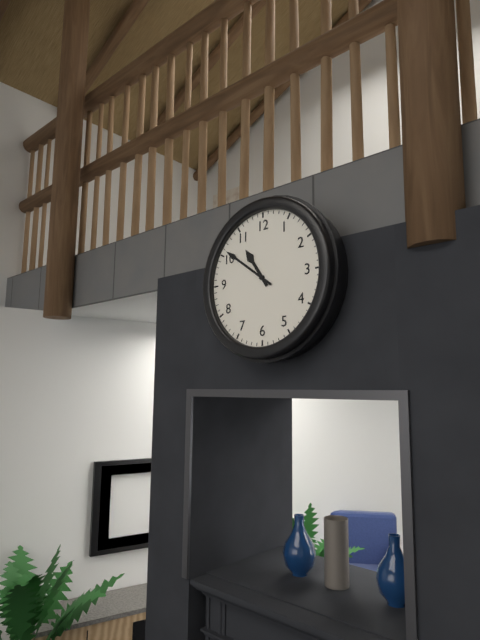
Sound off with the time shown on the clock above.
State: 10:51
